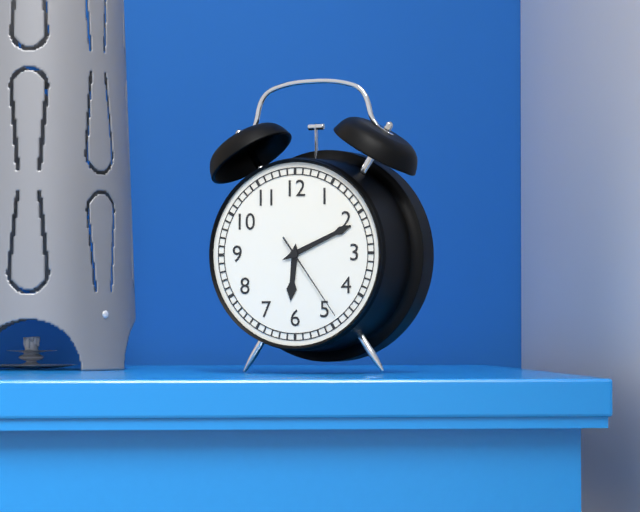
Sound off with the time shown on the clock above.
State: 6:11:24
